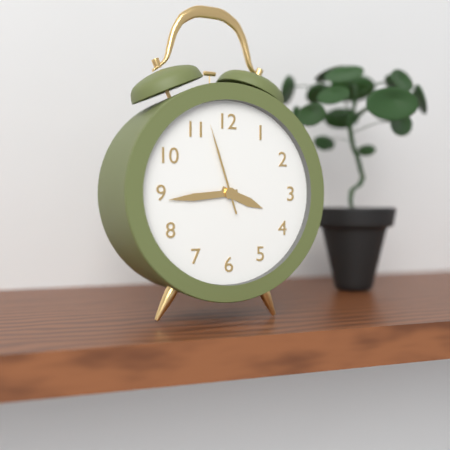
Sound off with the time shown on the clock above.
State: 3:44:57
